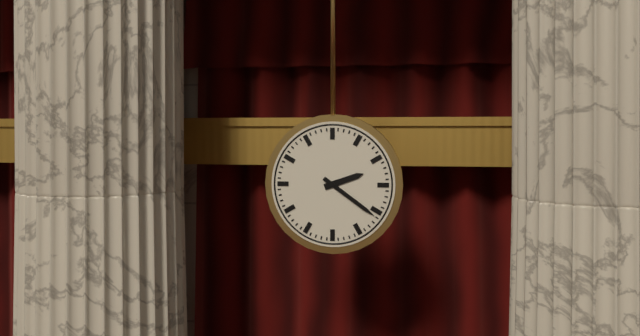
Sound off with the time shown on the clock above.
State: 2:21
